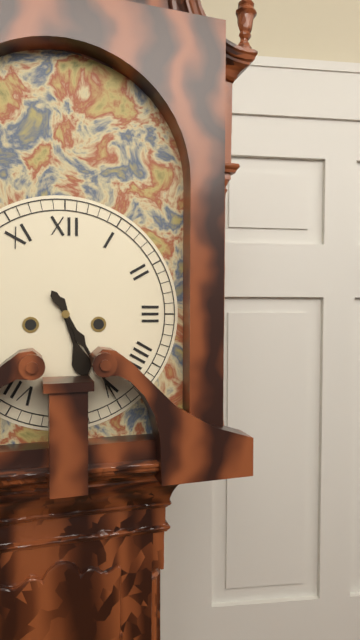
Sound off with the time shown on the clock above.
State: 5:25
